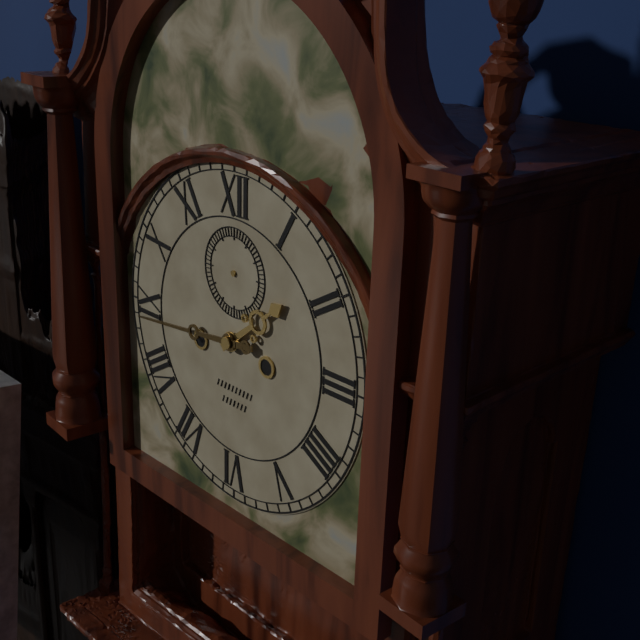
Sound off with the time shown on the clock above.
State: 1:44
